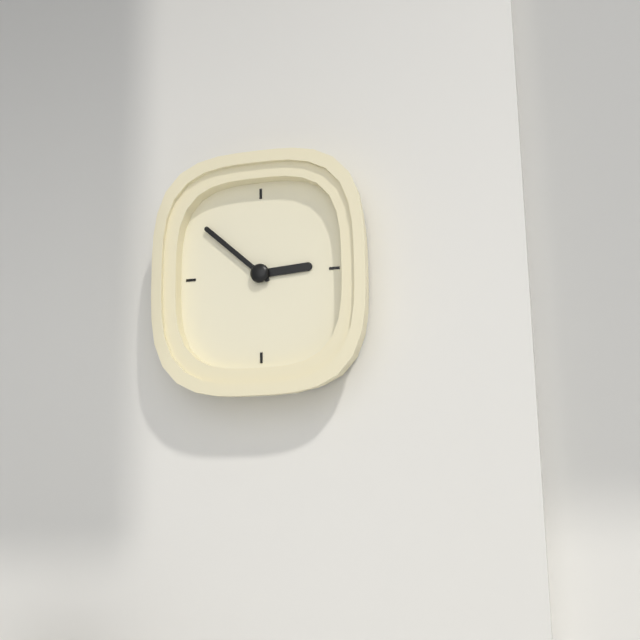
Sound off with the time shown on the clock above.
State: 2:52
